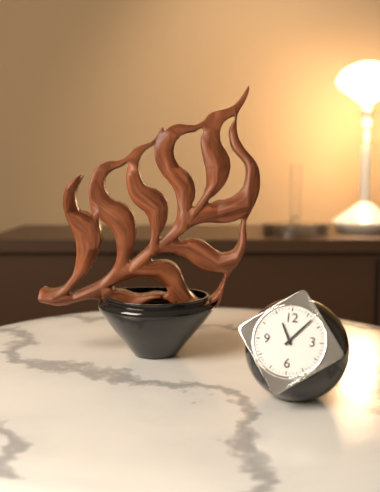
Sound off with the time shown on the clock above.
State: 11:07
